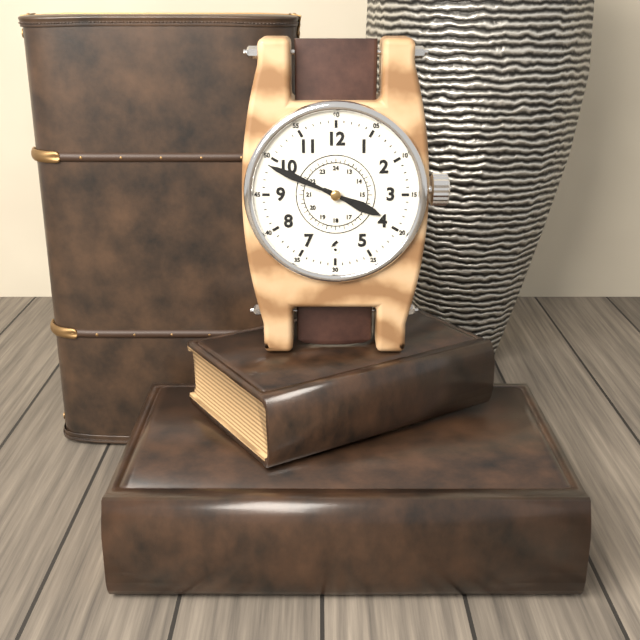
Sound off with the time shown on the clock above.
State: 3:49
